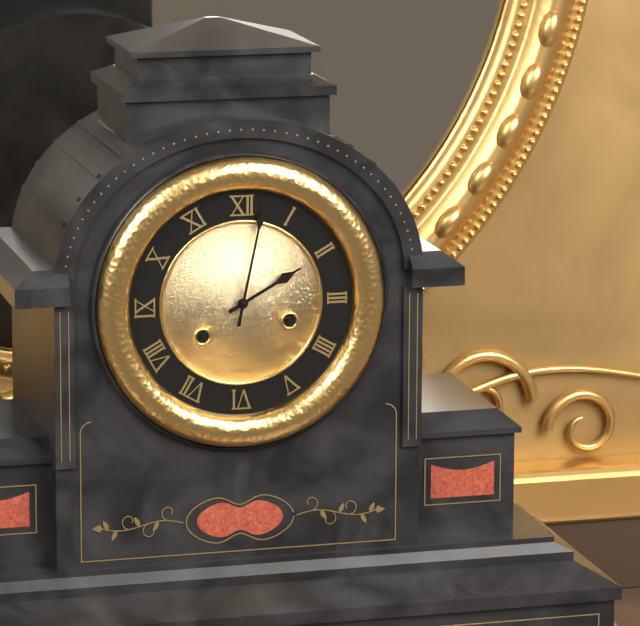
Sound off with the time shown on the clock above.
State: 2:02
